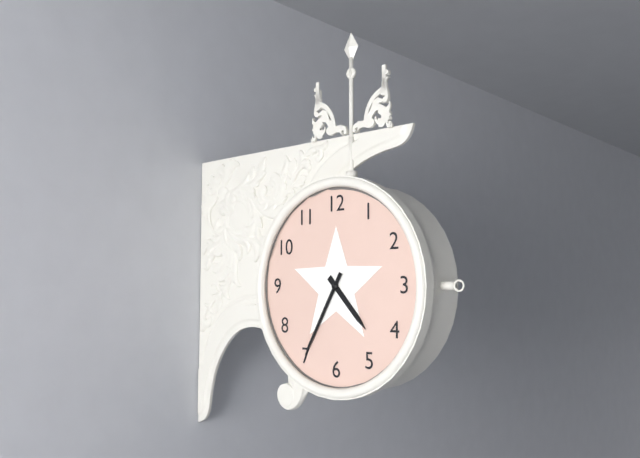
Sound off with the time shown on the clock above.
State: 4:35
